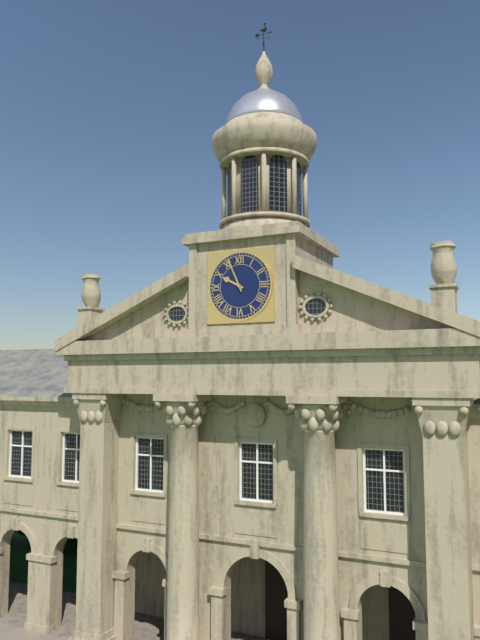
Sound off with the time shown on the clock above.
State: 9:56
